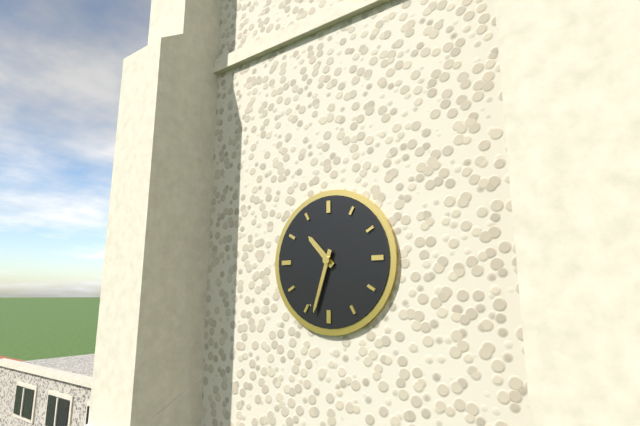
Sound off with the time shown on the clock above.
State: 10:33
